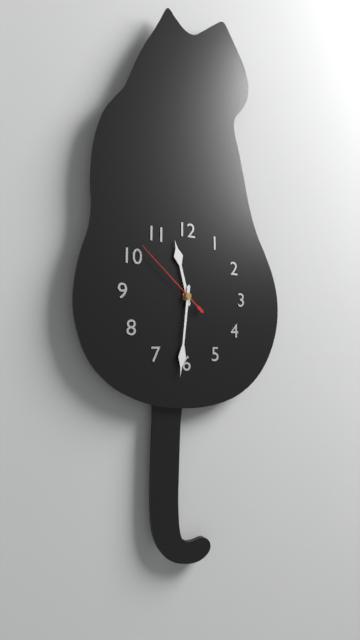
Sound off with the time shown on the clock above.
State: 11:31:52
